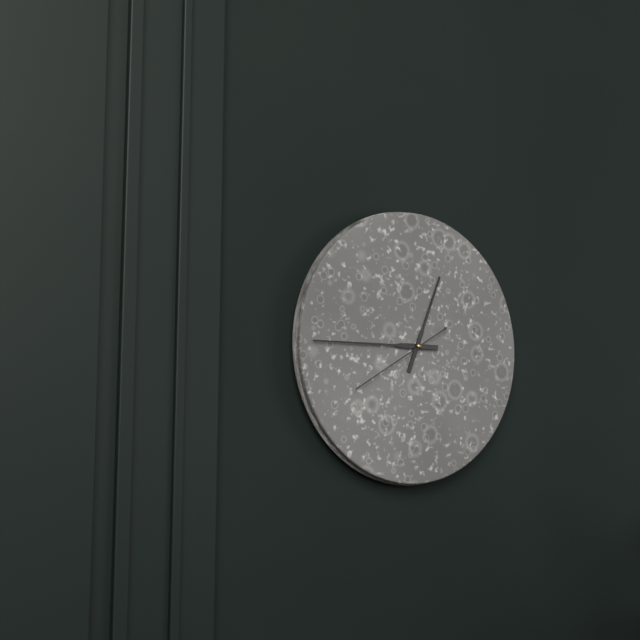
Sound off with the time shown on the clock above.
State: 12:45:40
